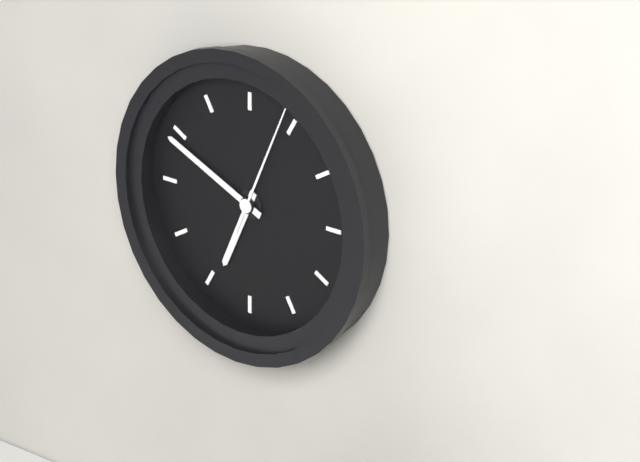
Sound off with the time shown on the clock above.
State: 6:49:04
